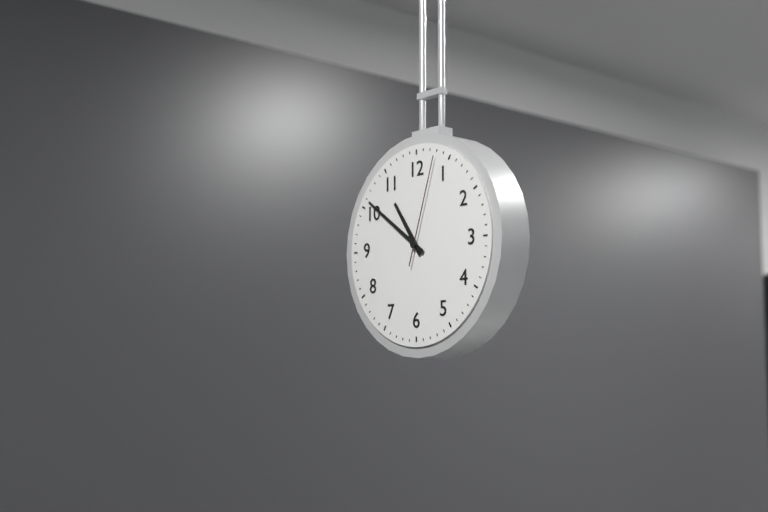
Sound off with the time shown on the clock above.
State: 10:51:03
